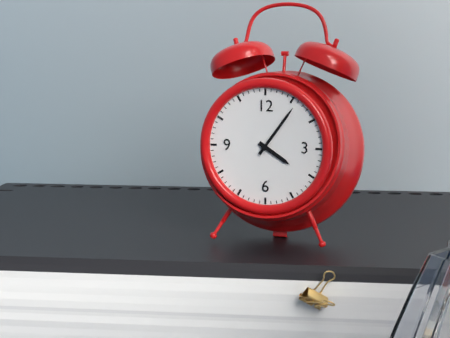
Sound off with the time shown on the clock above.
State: 4:06
